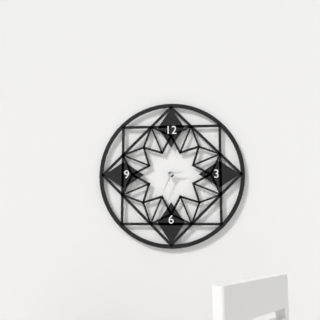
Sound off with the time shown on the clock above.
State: 2:34
